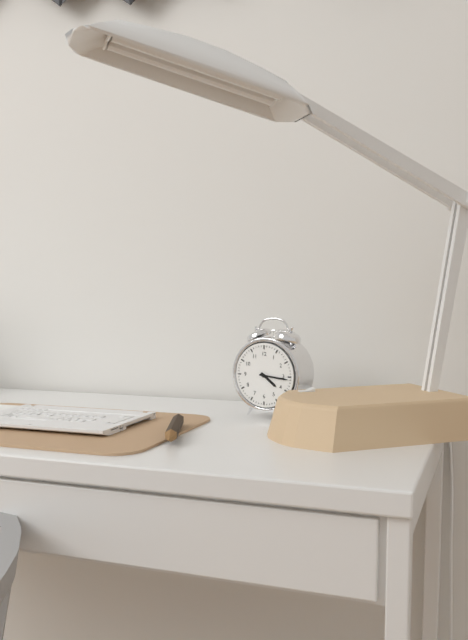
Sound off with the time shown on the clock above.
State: 4:16
